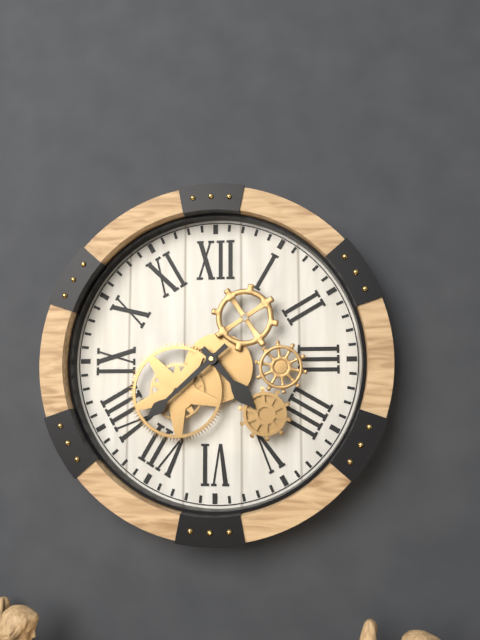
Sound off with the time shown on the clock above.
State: 4:38
